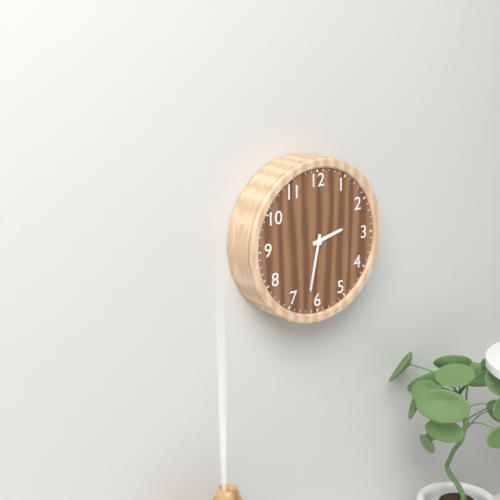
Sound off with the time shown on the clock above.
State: 2:32
